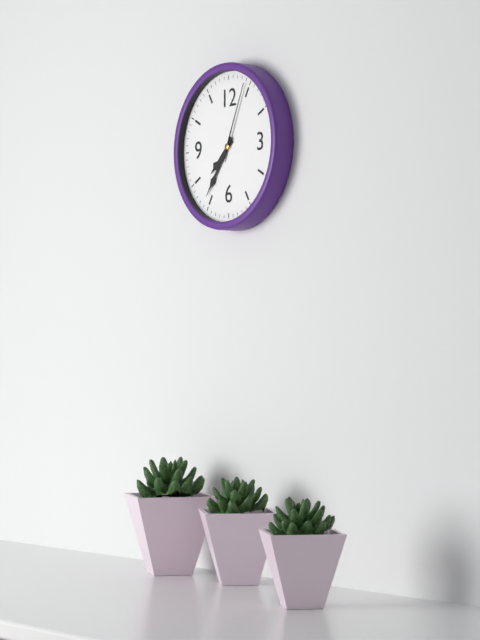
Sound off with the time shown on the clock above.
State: 7:36:04
